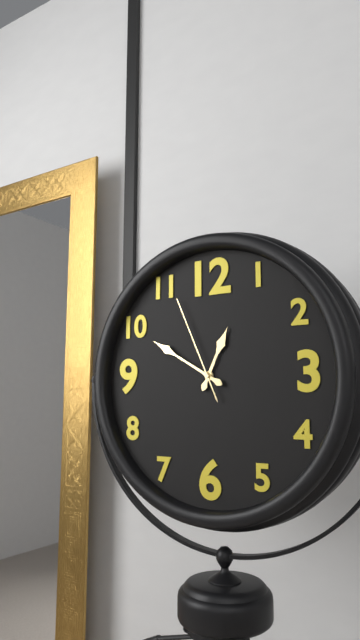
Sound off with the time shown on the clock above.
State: 12:50:56
